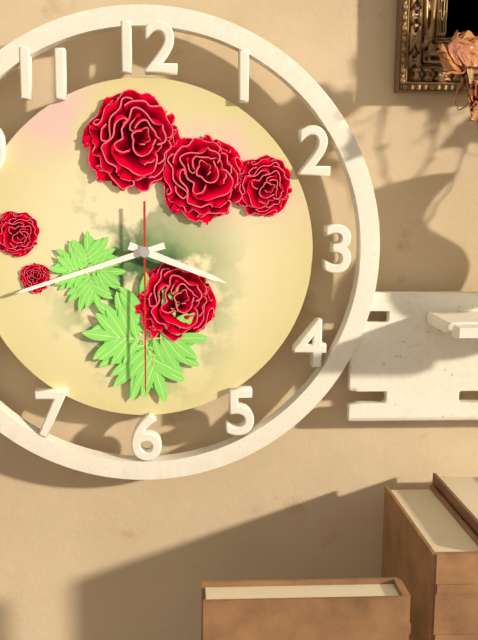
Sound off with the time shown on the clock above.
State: 3:42:30
